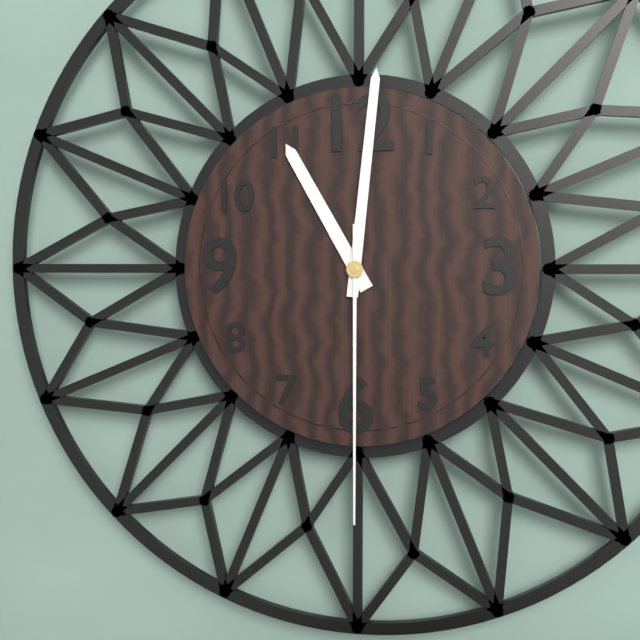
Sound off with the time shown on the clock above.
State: 11:01:30
